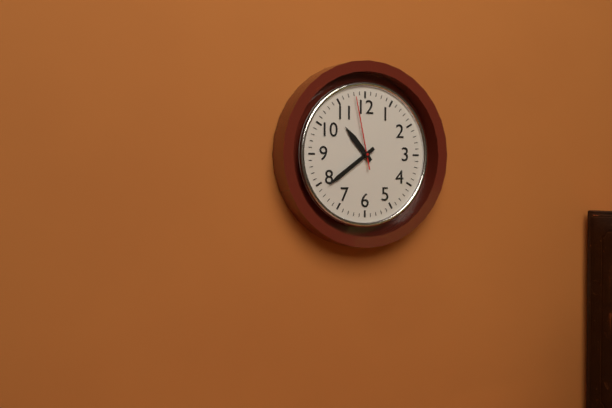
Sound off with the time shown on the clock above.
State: 10:39:58
